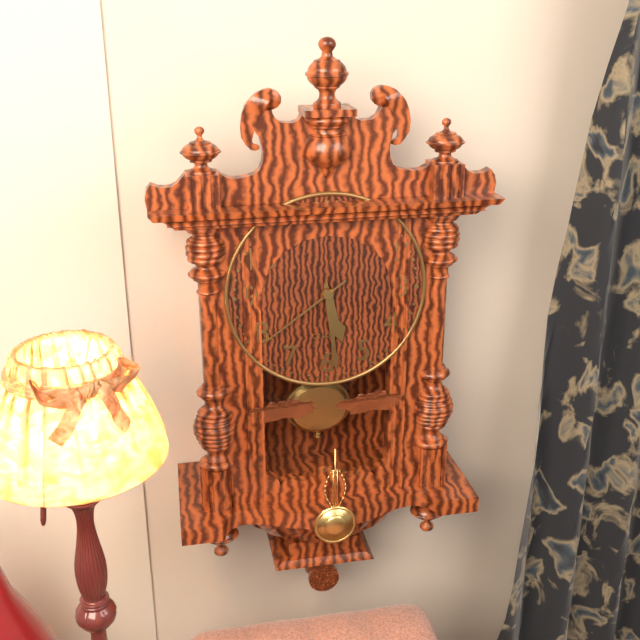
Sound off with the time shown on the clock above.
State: 5:29:39
